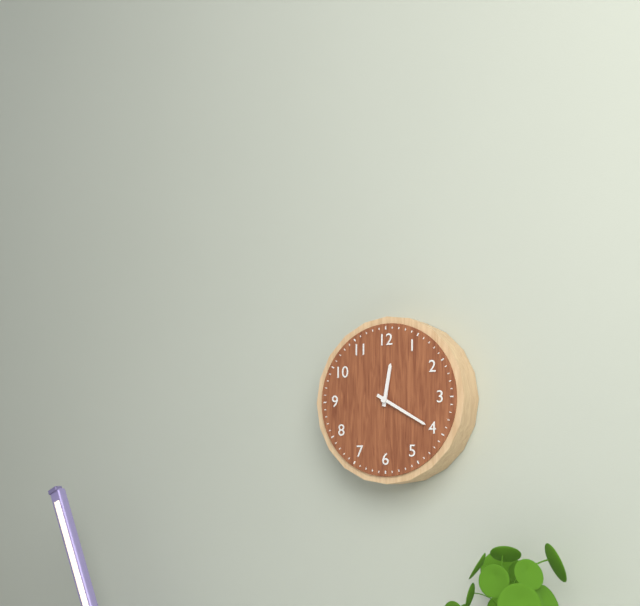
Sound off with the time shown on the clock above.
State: 12:20
